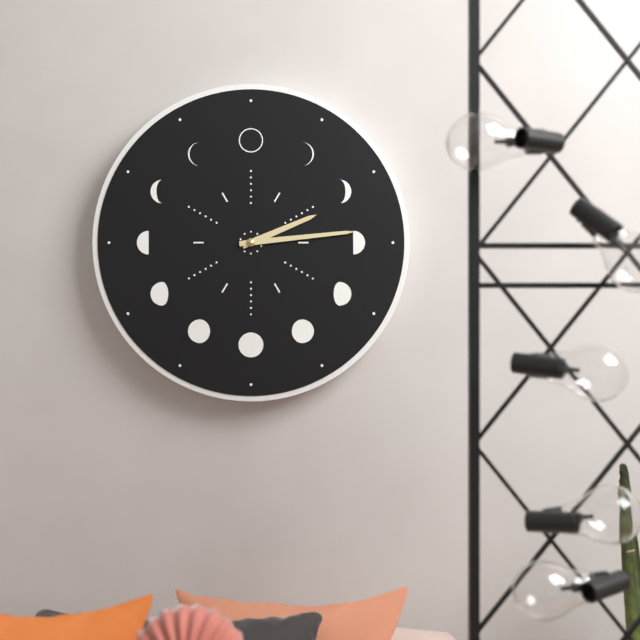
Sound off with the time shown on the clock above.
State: 2:14
